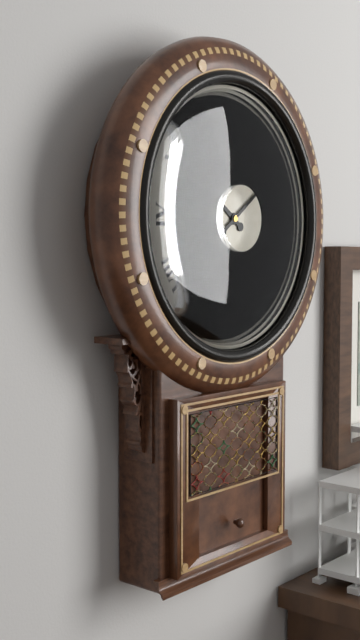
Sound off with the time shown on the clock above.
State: 10:09
